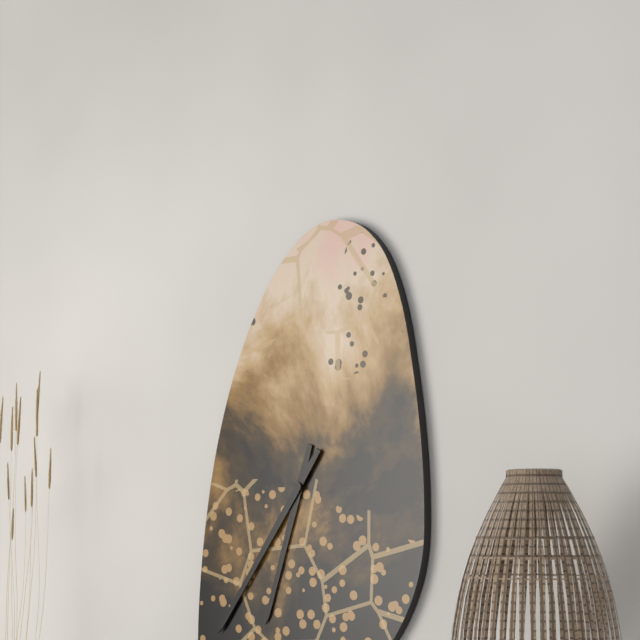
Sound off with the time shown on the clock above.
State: 6:36
